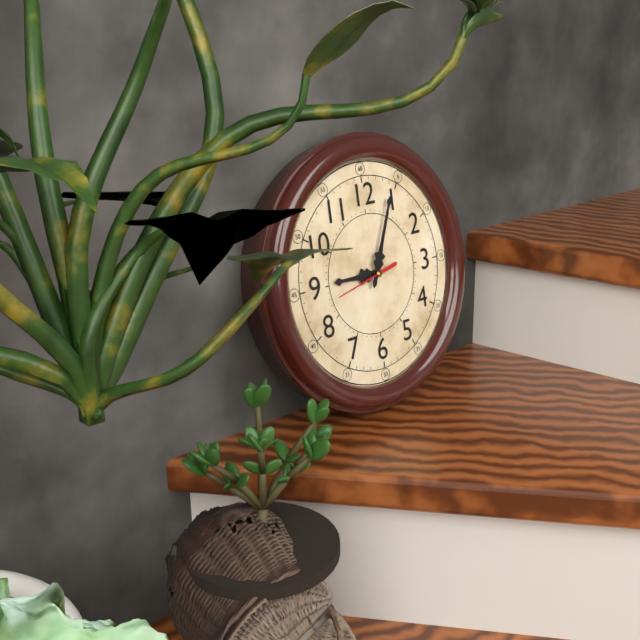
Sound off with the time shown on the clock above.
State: 9:04:43
